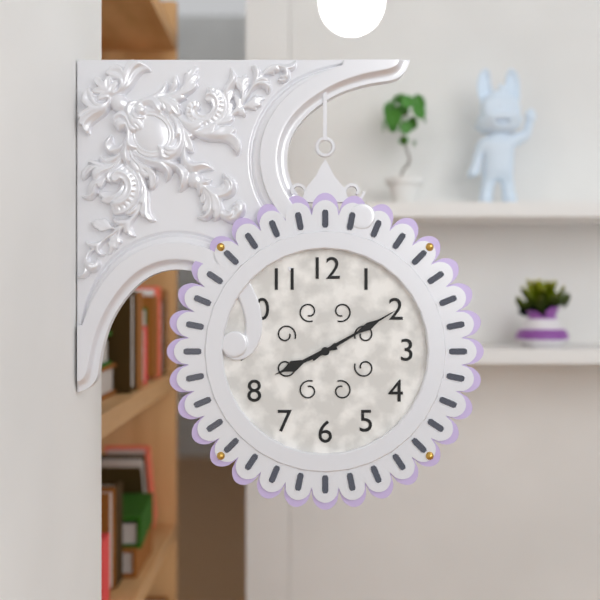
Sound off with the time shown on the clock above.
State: 8:10
